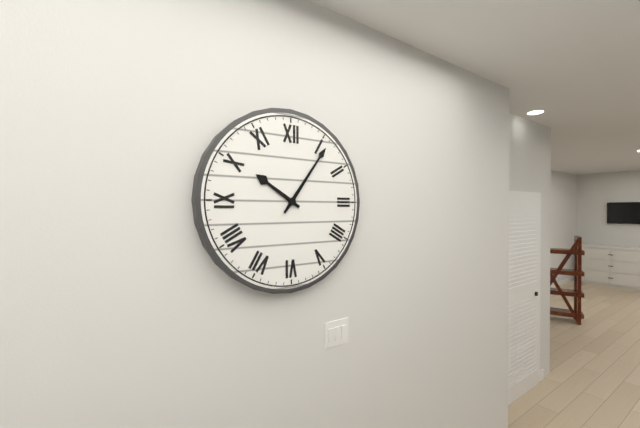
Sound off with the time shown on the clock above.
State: 10:06
